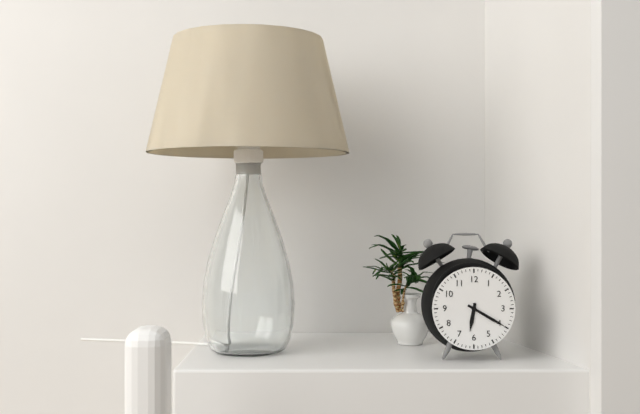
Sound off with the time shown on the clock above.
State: 6:20
